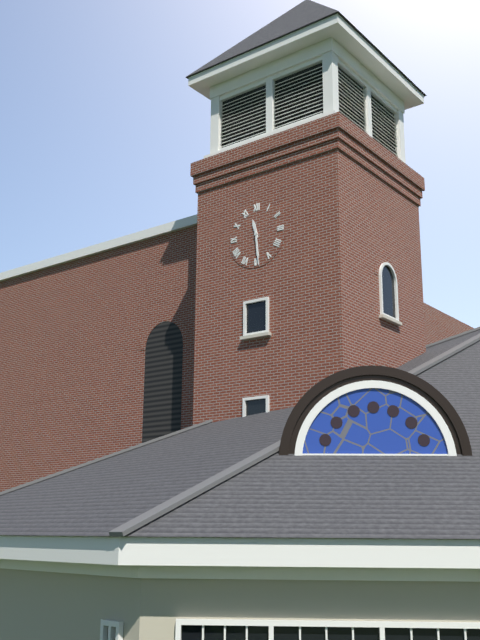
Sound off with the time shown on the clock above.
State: 11:29
